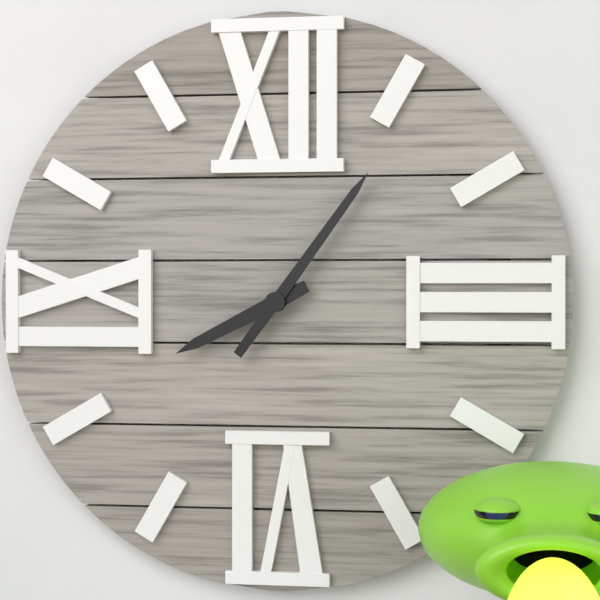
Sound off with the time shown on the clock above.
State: 8:06
